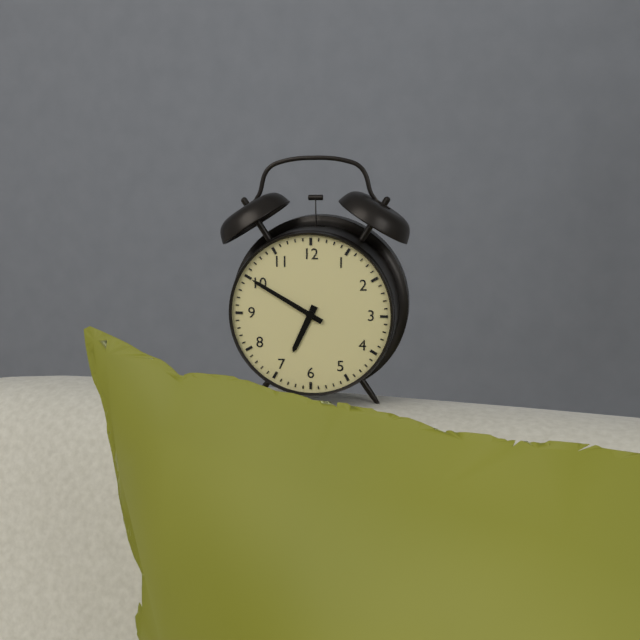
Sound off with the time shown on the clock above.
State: 6:50
